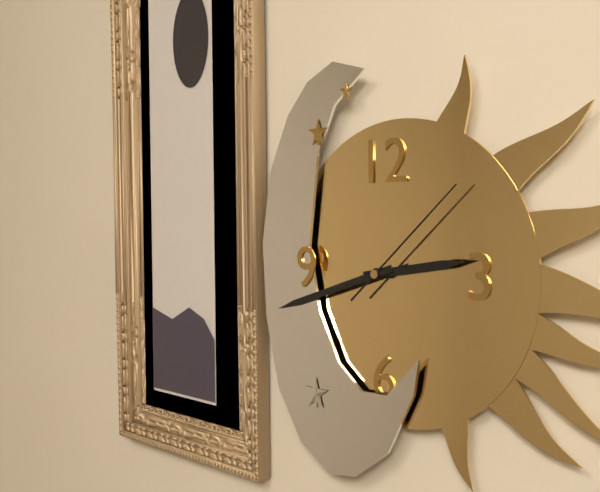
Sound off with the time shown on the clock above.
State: 2:42:08
